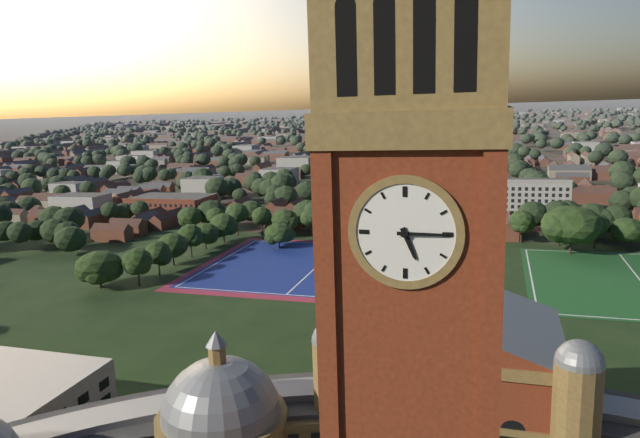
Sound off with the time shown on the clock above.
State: 5:15
